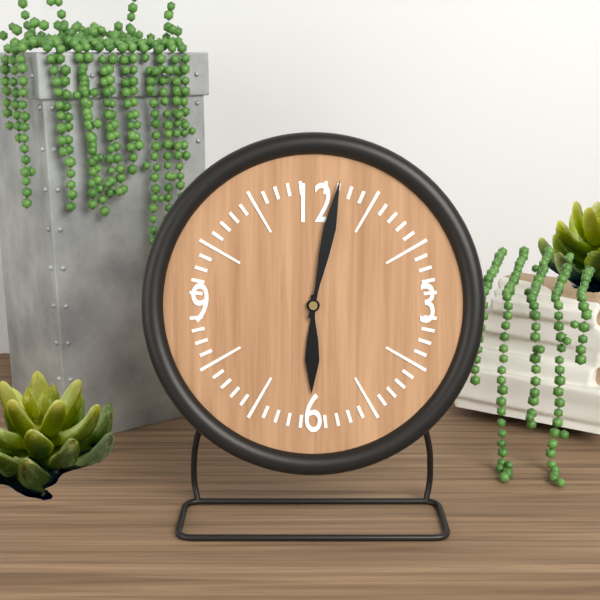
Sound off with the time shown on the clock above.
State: 6:02
